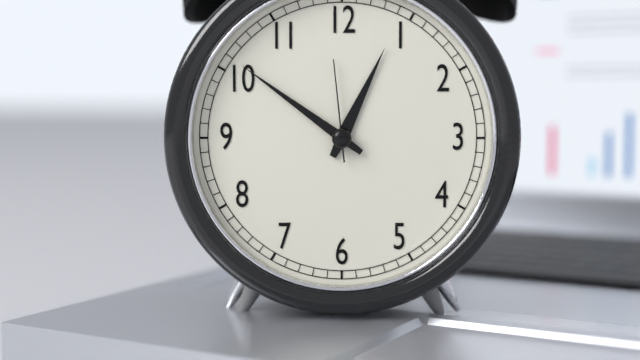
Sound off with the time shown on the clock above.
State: 12:51:59
